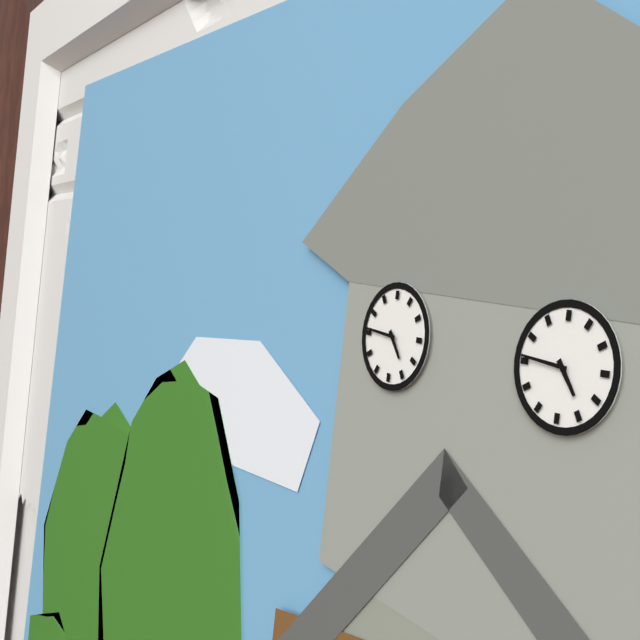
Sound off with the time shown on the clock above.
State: 4:46
